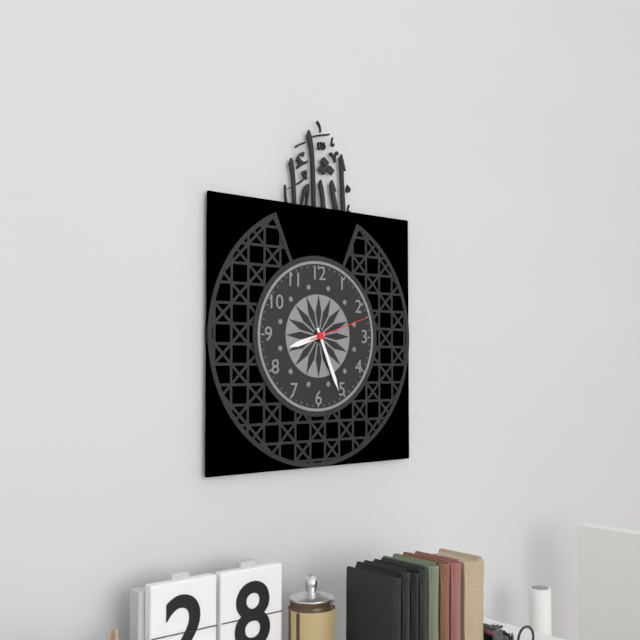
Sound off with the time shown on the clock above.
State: 8:26:12
